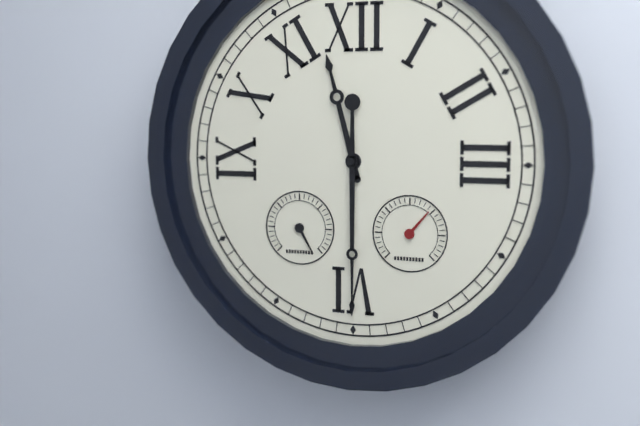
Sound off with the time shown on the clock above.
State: 11:30
